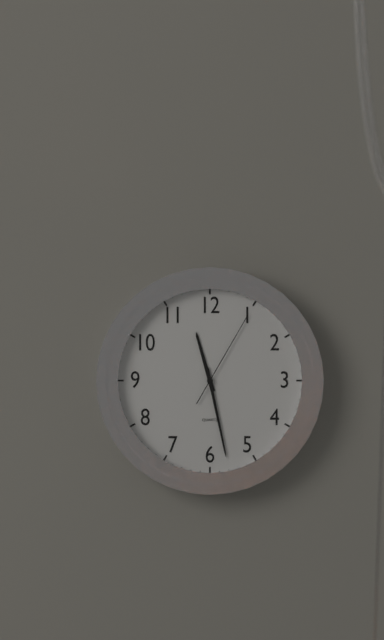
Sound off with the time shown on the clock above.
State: 11:28:05
